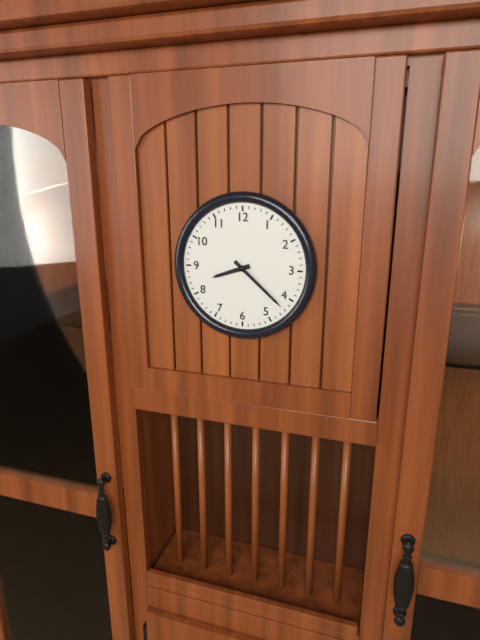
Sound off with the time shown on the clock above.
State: 8:22
